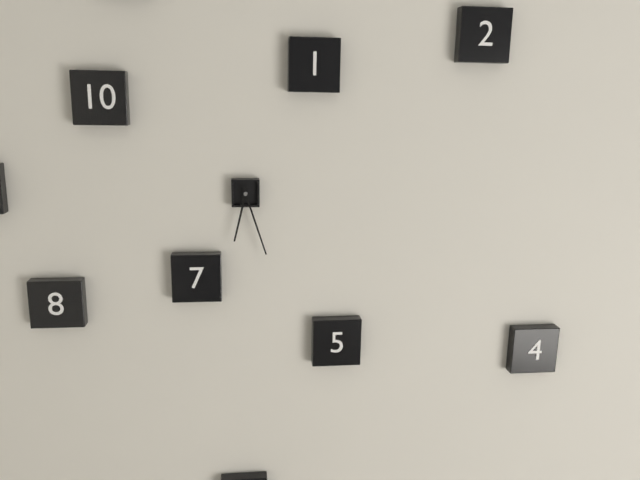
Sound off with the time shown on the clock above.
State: 6:27
